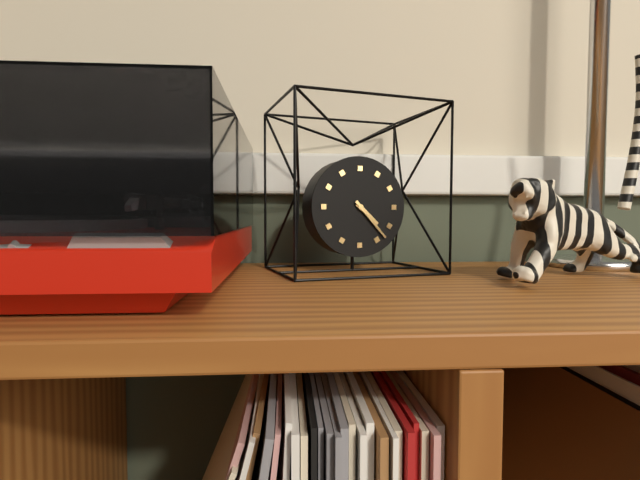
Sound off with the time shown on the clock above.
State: 4:23
